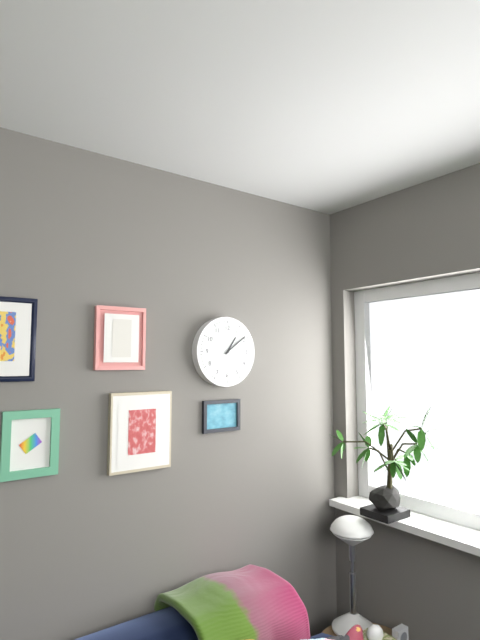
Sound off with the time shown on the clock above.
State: 1:09
